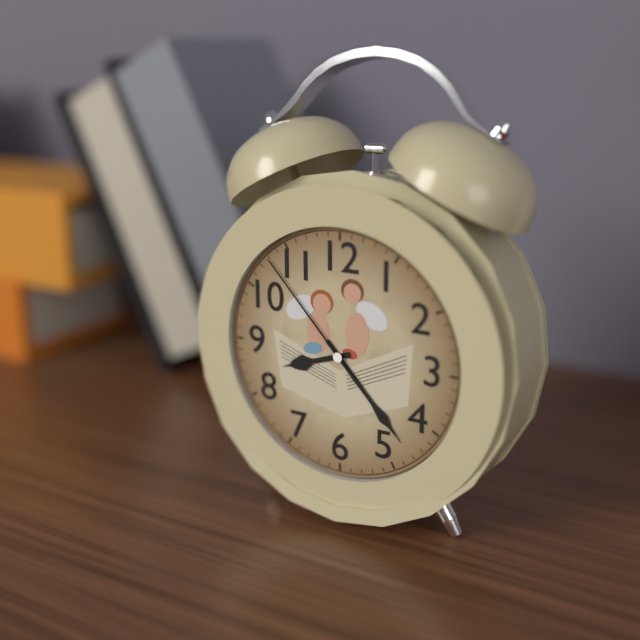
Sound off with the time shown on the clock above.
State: 8:23:53
